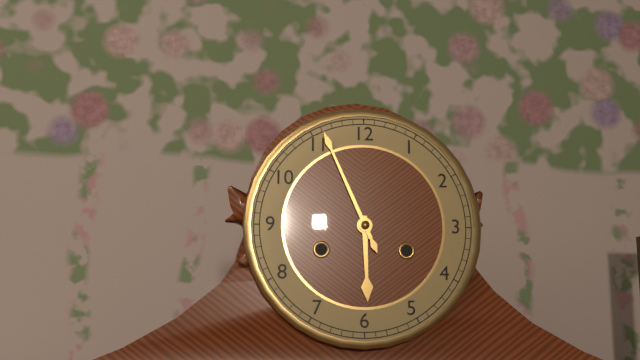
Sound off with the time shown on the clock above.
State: 5:56
